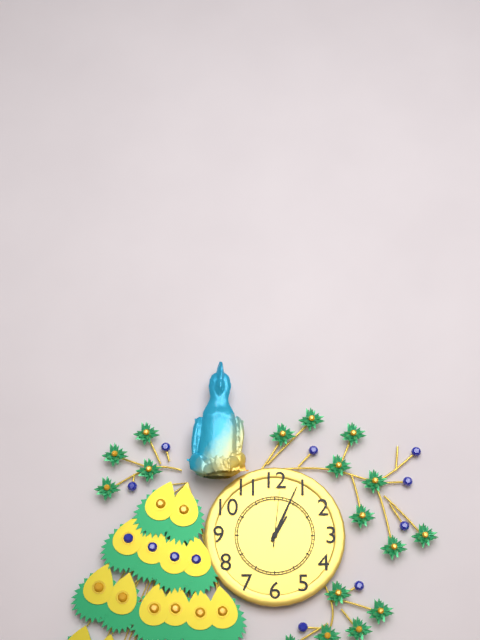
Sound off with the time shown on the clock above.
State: 1:04:01
